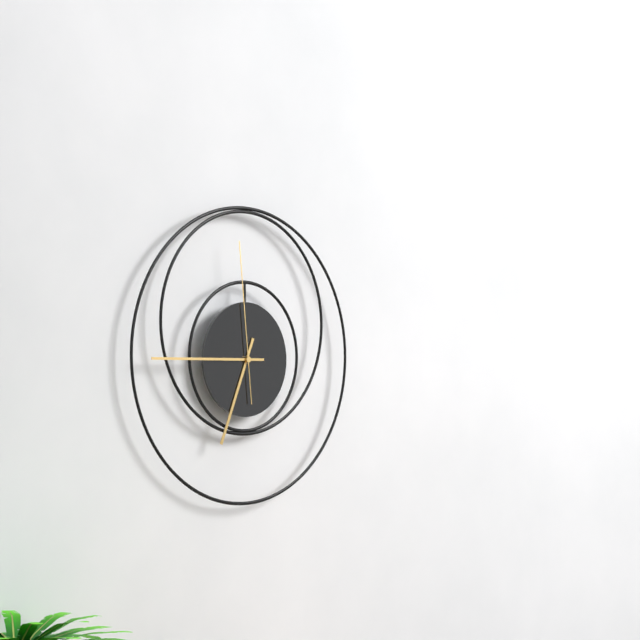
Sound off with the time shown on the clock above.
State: 6:45:59
